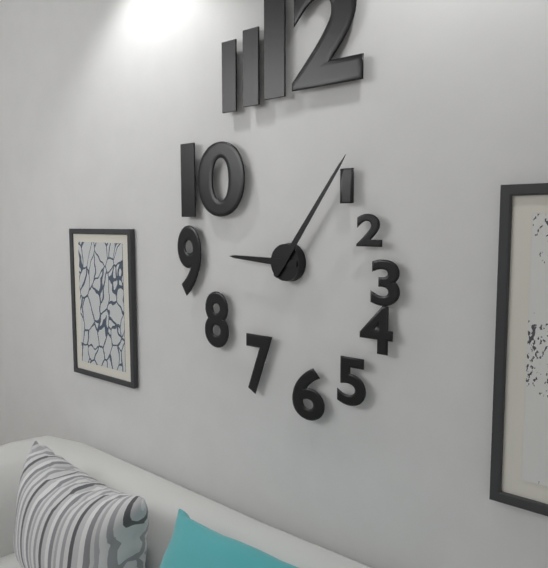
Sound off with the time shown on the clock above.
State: 9:06
